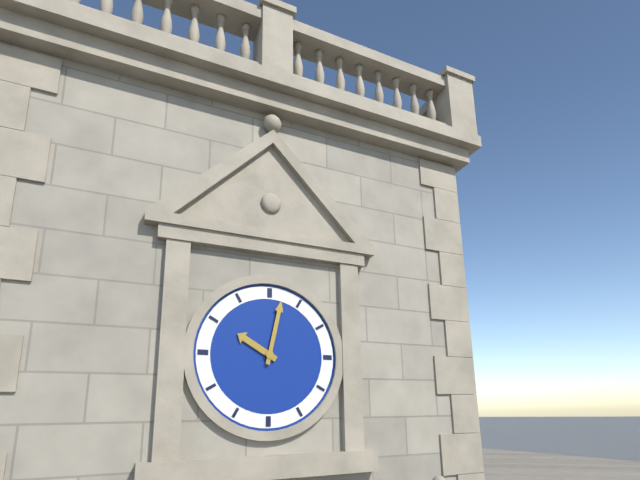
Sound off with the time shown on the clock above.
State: 10:02
